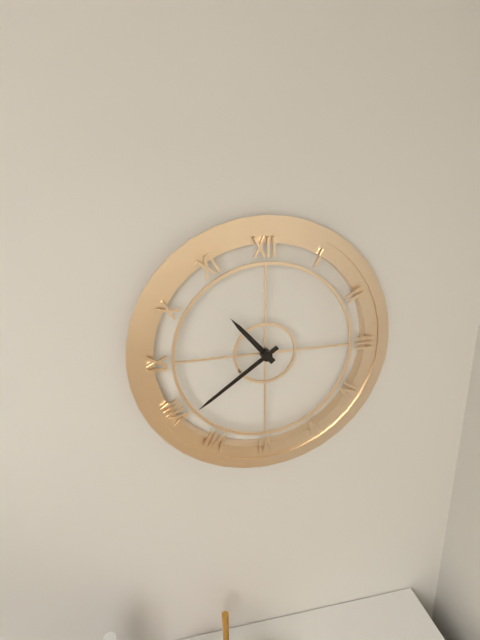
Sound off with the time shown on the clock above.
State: 10:39
